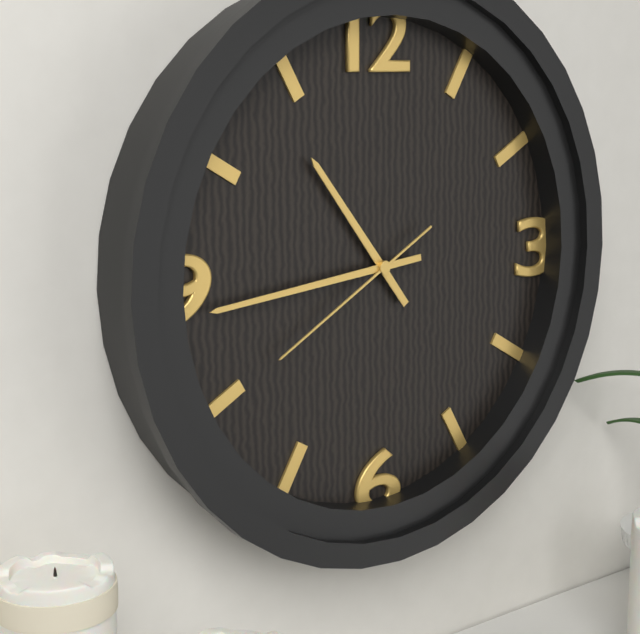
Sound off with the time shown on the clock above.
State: 10:44:40
